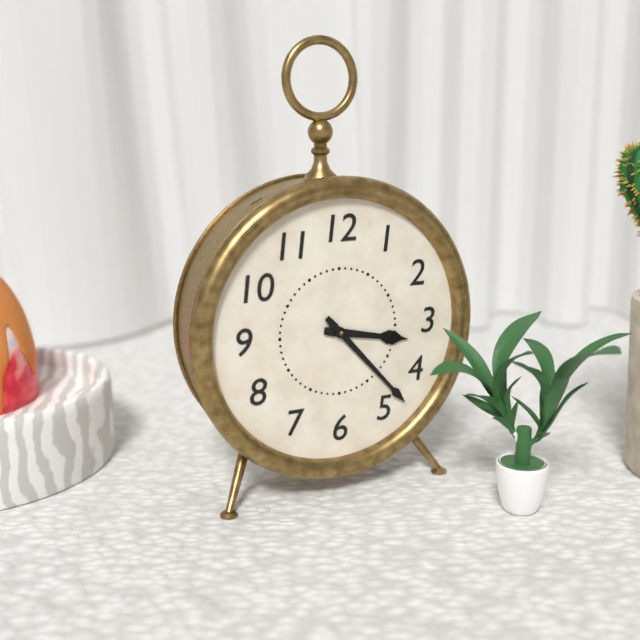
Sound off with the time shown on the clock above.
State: 3:23
